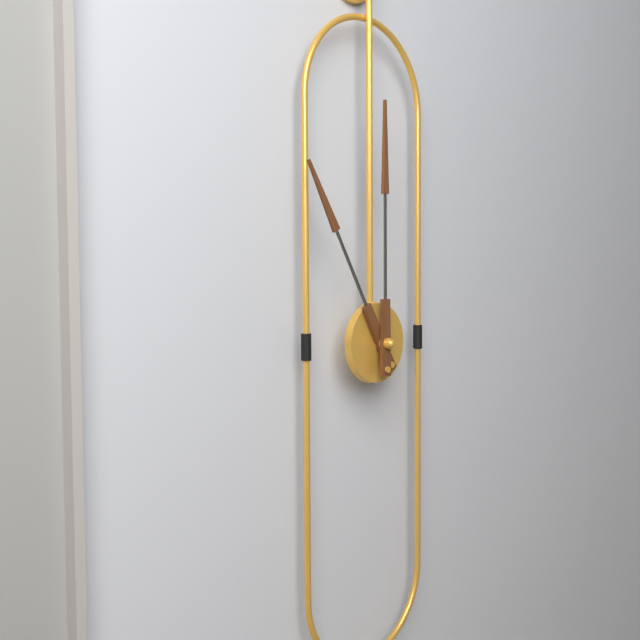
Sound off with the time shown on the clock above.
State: 11:00
